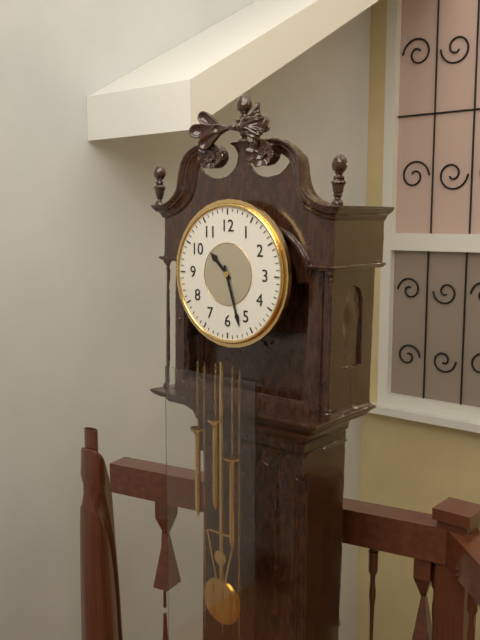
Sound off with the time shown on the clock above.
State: 10:27
